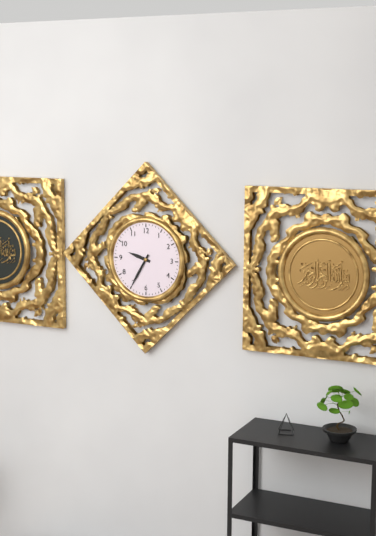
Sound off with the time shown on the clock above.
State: 9:35
